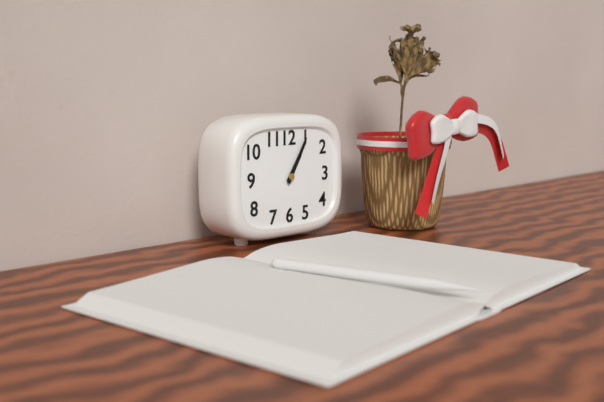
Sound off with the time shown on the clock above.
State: 1:05
